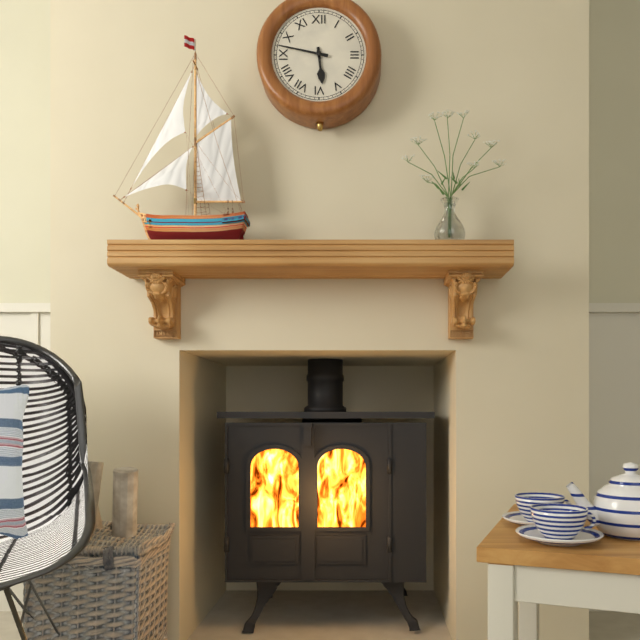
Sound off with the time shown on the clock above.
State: 5:47
